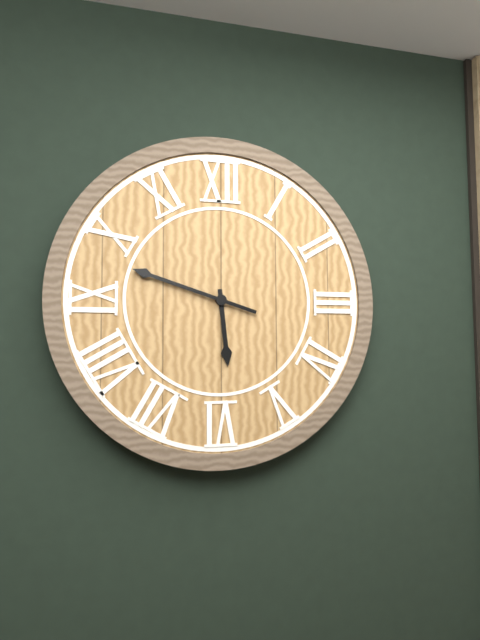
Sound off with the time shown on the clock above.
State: 5:48
